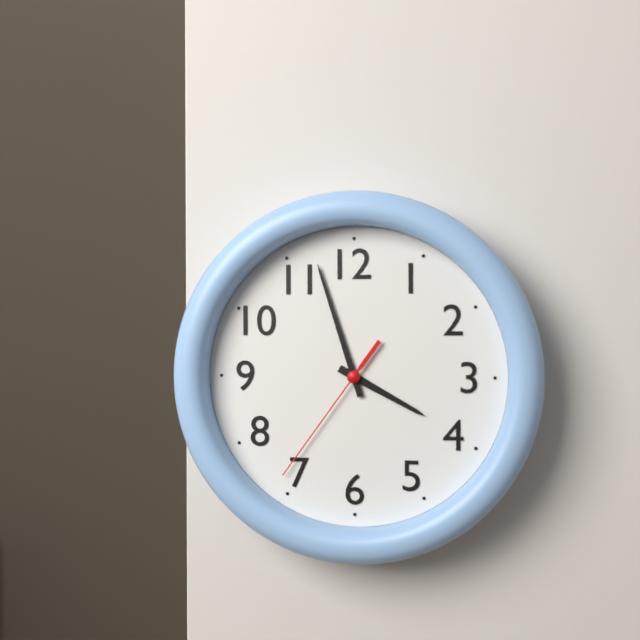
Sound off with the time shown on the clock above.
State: 3:57:36
